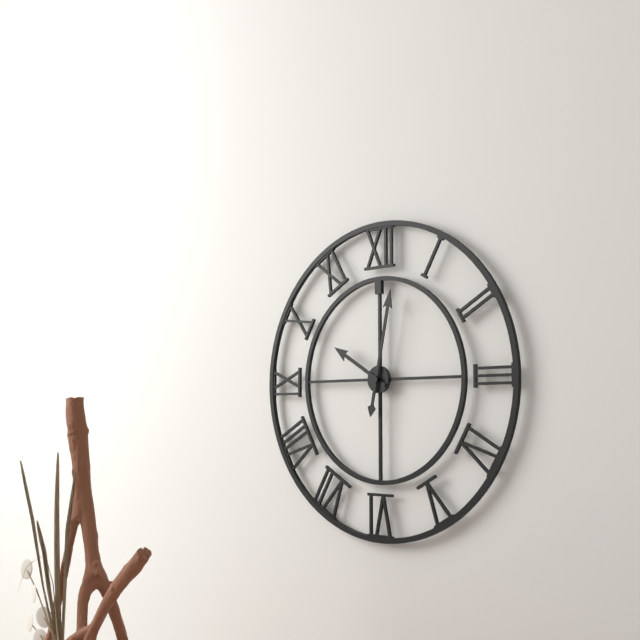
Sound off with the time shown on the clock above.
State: 10:02
